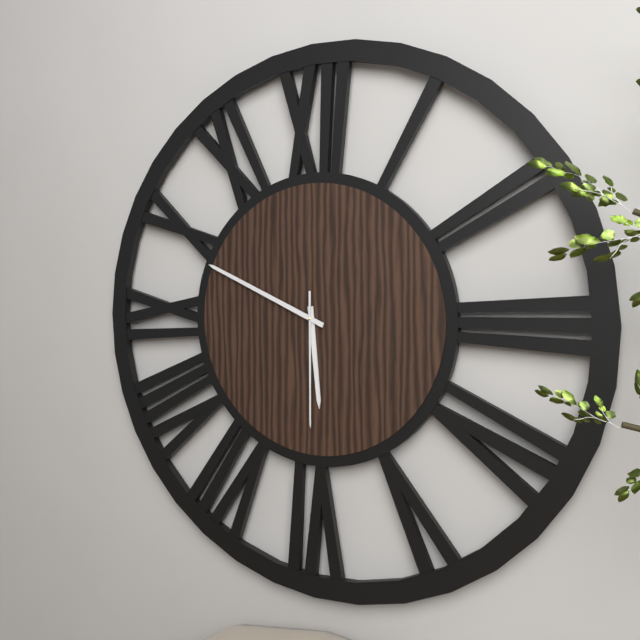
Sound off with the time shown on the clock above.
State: 5:49:30
